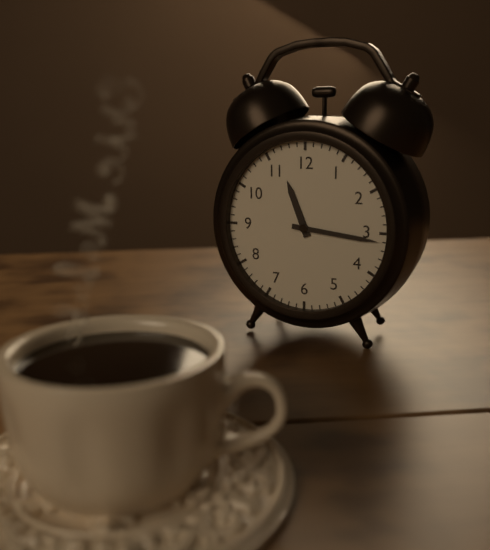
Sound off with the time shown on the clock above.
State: 11:16
